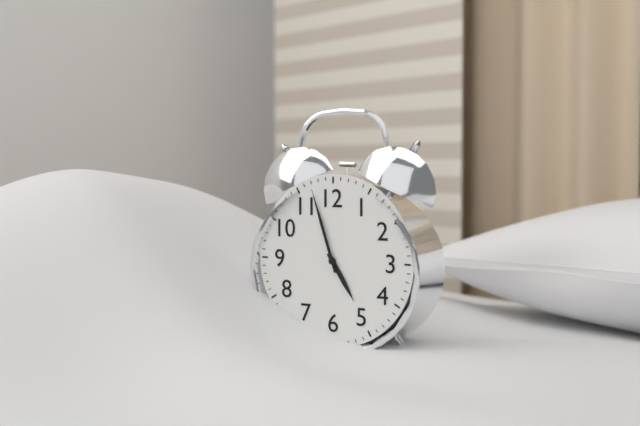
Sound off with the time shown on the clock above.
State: 4:57
